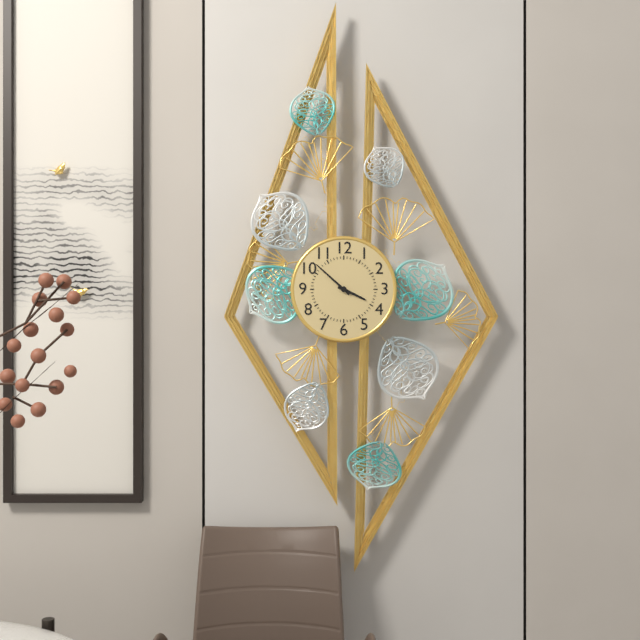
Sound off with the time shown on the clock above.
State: 3:52
